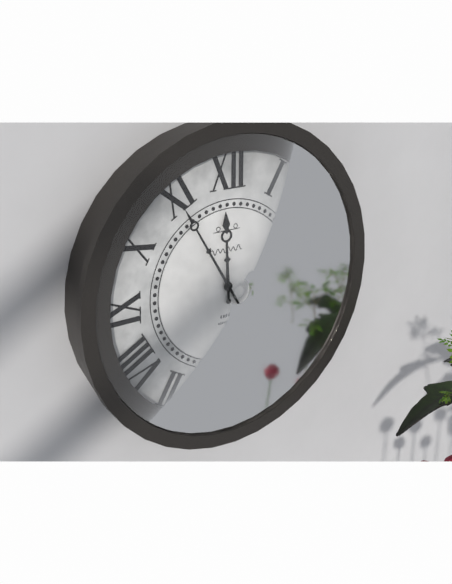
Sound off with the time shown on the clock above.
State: 11:55
